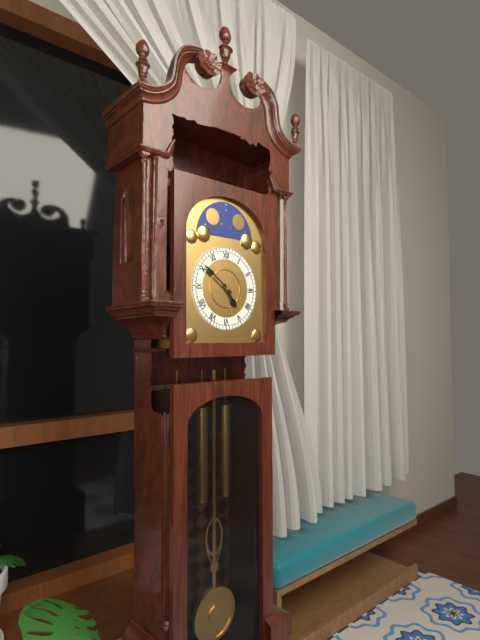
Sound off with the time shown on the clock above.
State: 4:51
